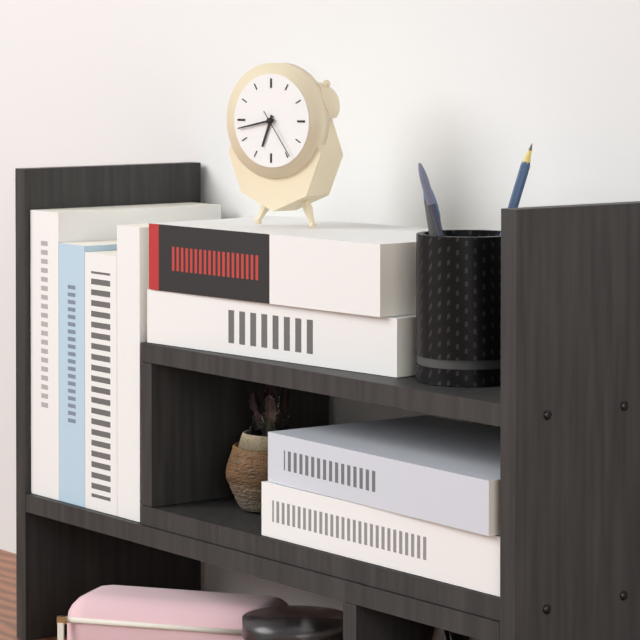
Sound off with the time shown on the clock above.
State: 6:43
